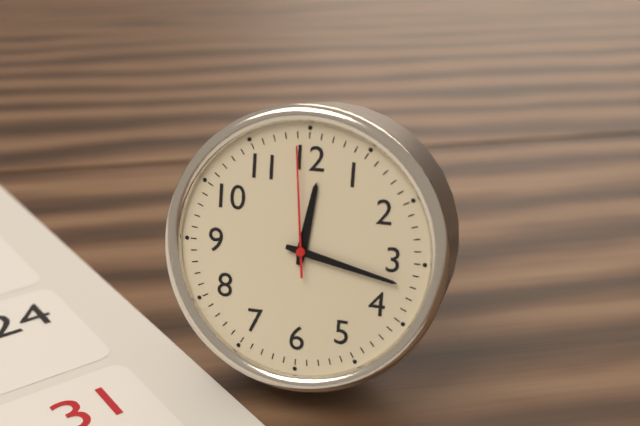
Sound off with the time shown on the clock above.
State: 12:17:59
